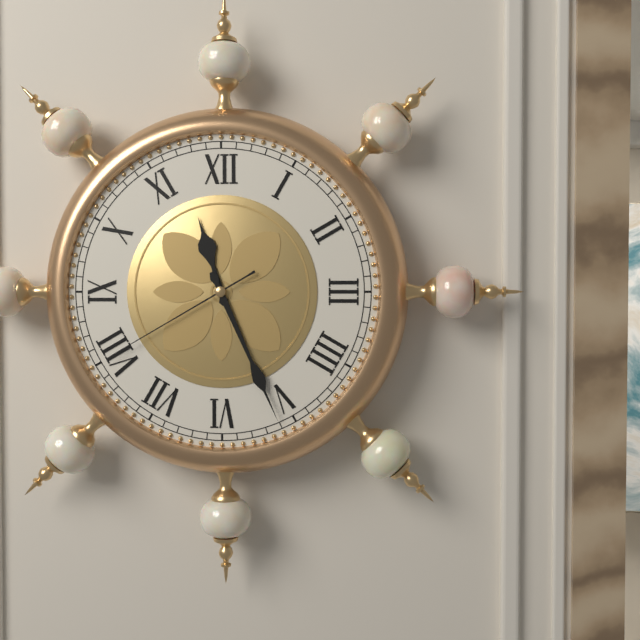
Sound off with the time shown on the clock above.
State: 11:26:40
